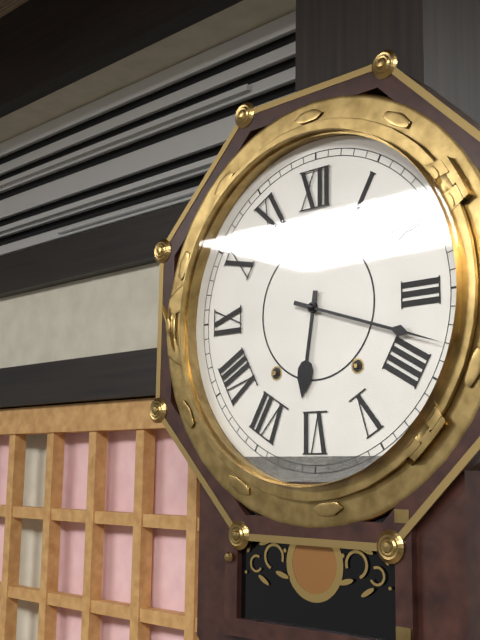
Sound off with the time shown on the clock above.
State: 6:18
